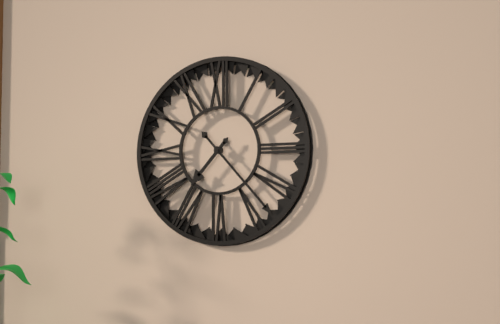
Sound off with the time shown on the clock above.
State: 7:23
